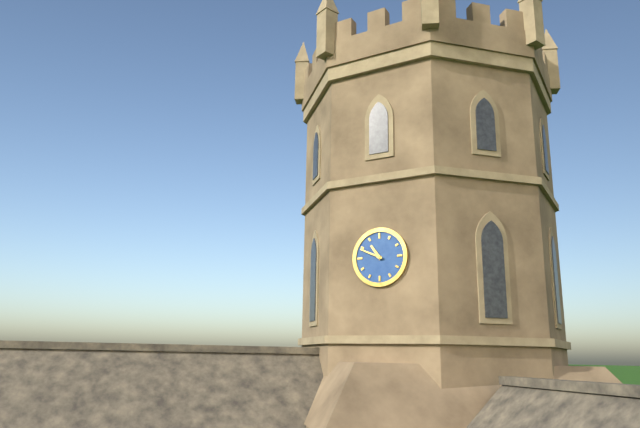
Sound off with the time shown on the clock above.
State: 10:49
